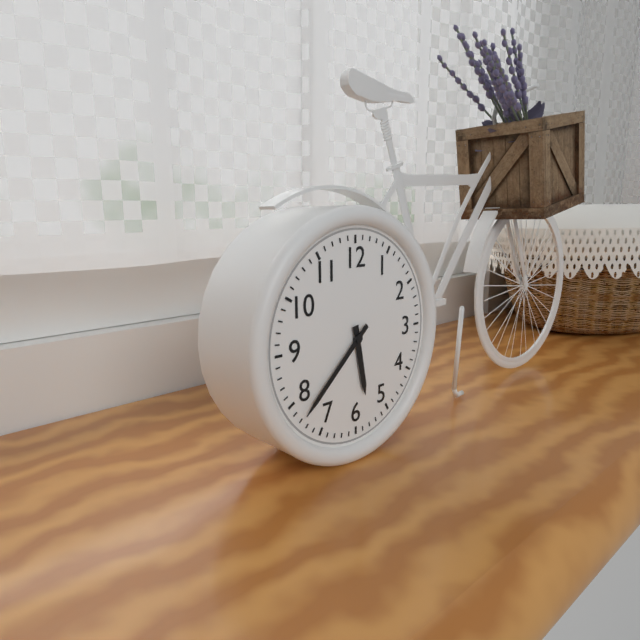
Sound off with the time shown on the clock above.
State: 5:38
